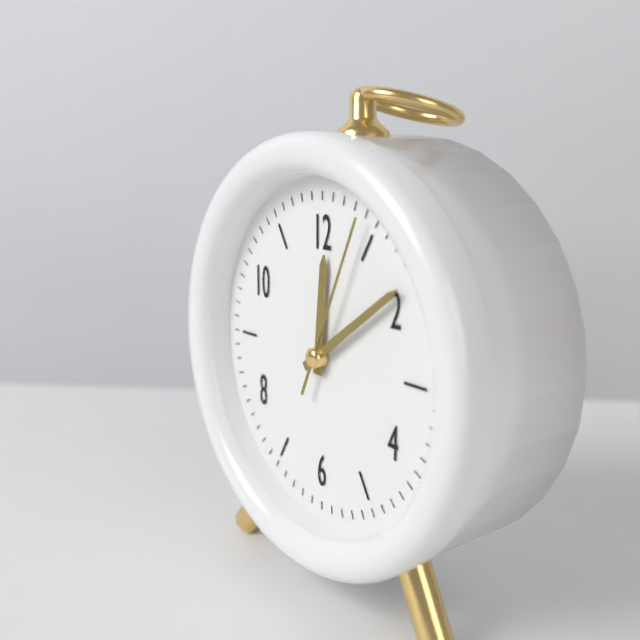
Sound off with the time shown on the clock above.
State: 12:09:04
